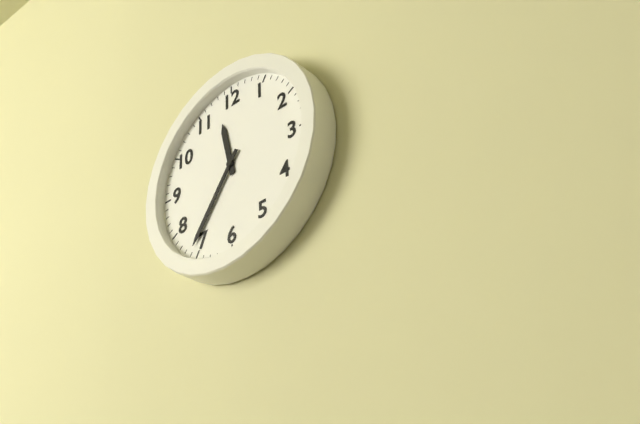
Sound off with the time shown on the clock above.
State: 11:36
